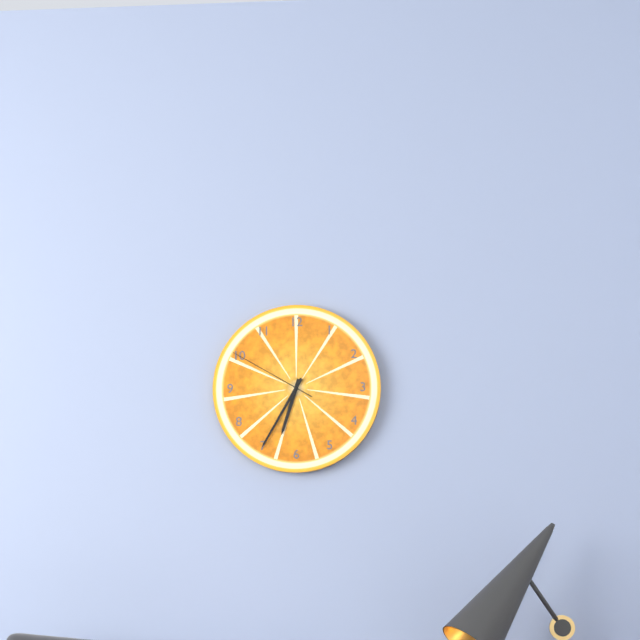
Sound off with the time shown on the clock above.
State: 6:35:50
